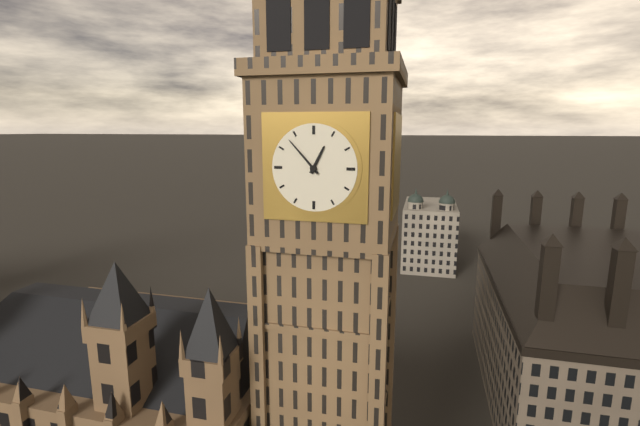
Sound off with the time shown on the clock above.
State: 12:53
